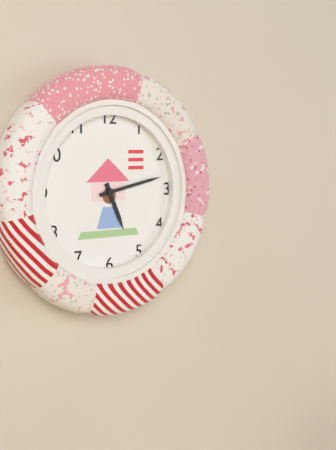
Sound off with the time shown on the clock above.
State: 5:13
